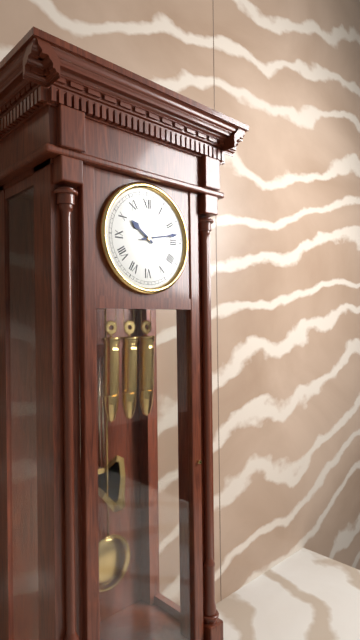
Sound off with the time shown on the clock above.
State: 10:13
